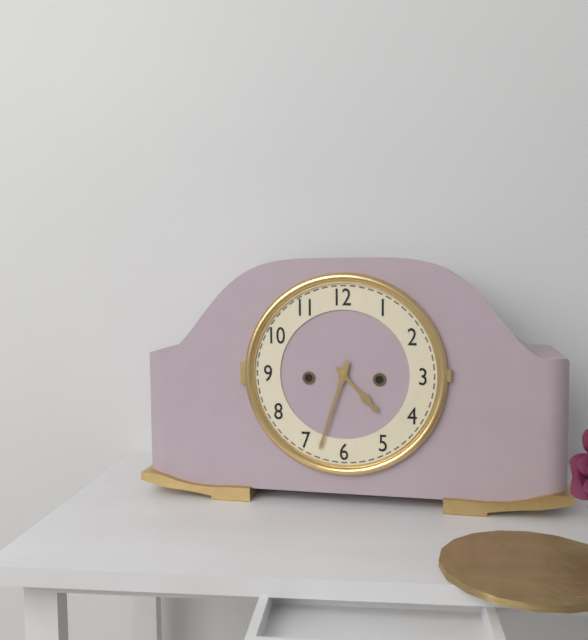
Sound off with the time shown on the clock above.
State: 4:33
